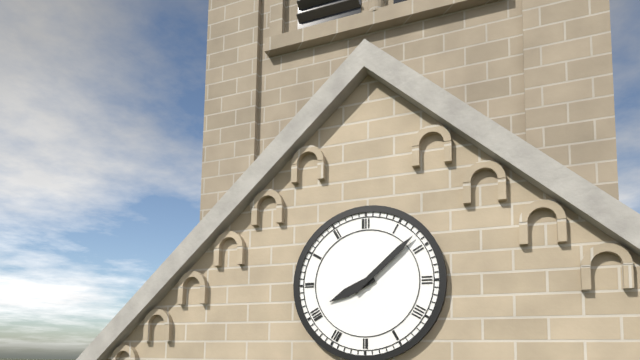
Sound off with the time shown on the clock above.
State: 8:08
